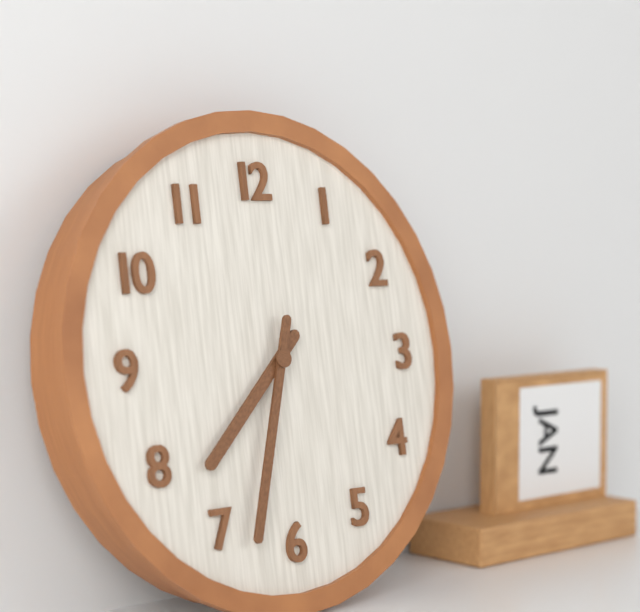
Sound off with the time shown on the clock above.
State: 7:33
